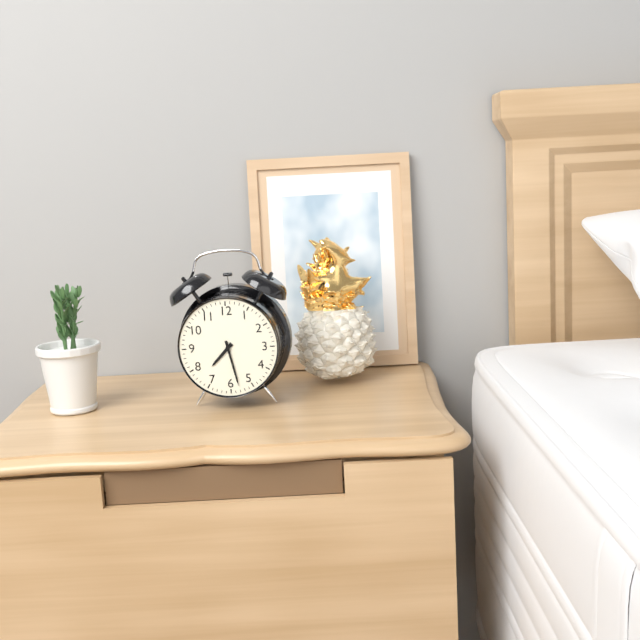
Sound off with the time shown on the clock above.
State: 7:28
